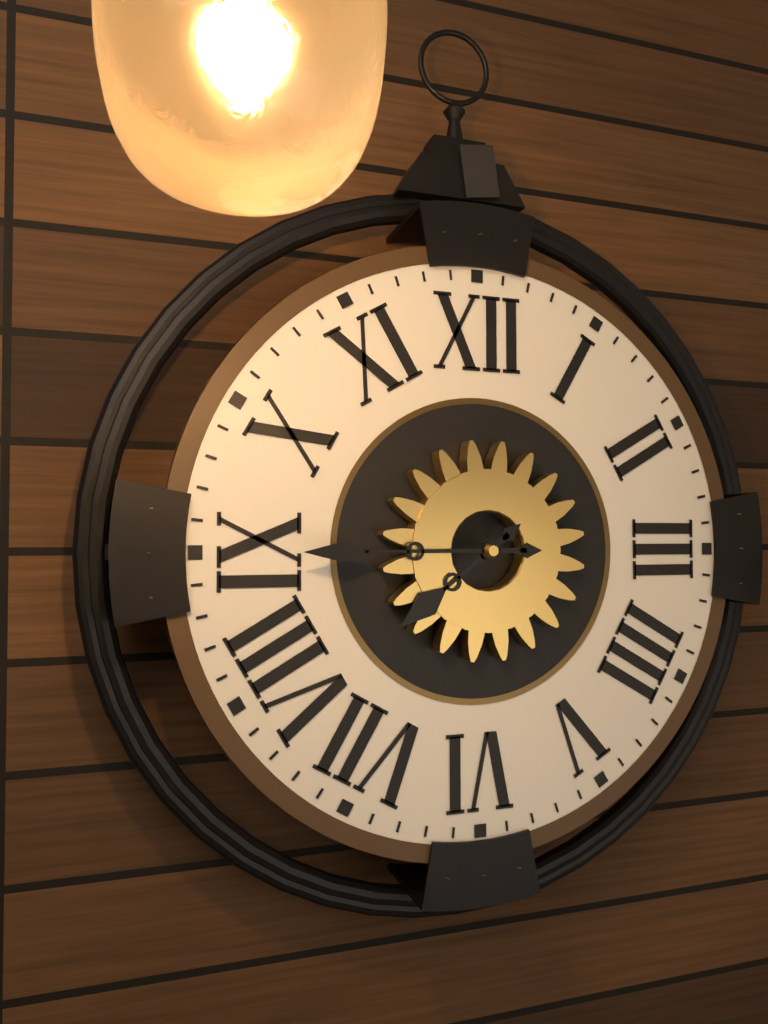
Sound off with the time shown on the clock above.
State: 7:45
